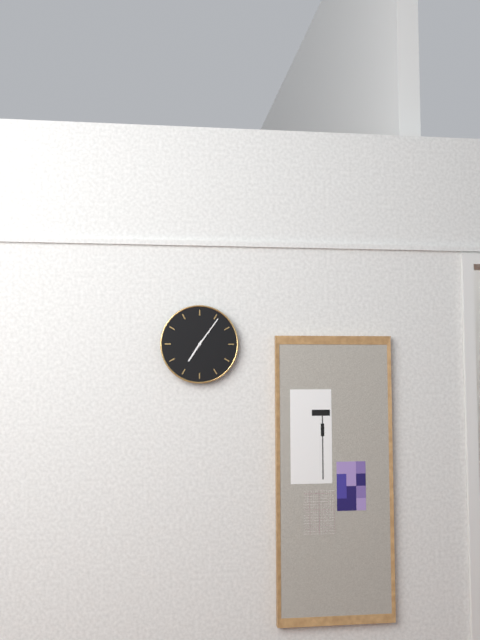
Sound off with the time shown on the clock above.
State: 7:06
